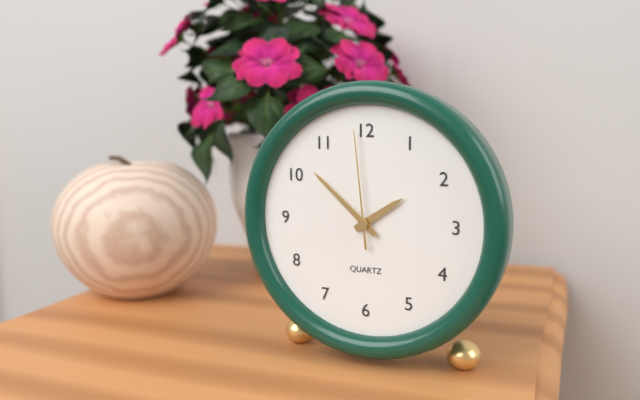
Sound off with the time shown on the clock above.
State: 1:52:59
